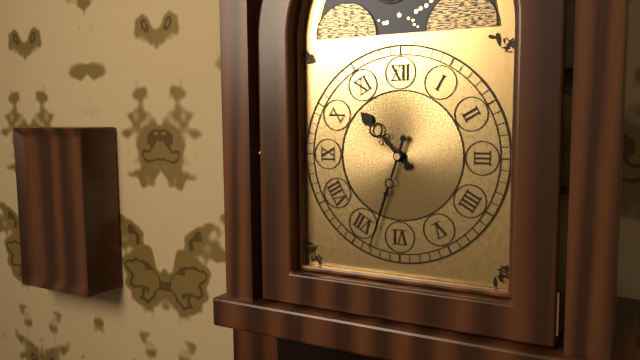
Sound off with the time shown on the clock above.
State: 10:33
